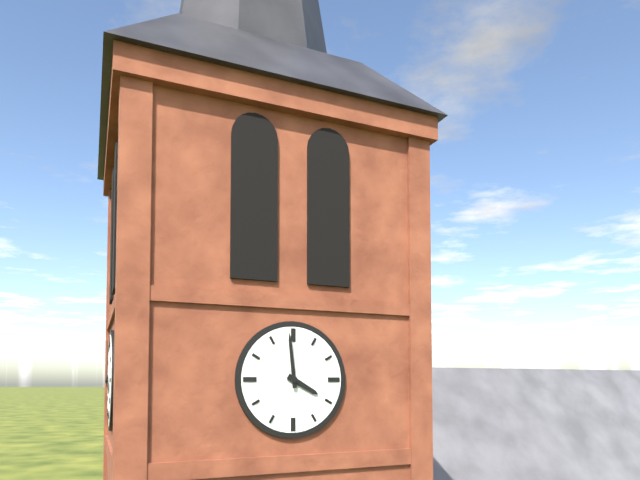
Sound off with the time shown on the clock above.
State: 3:59
